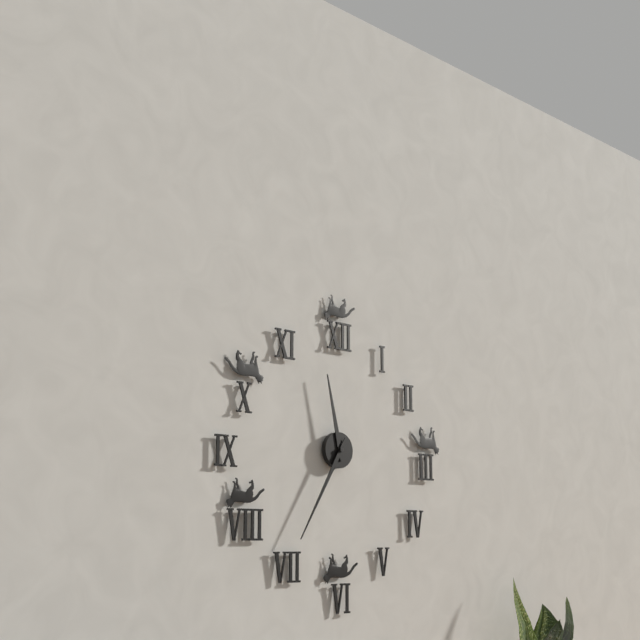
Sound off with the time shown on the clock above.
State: 11:35
